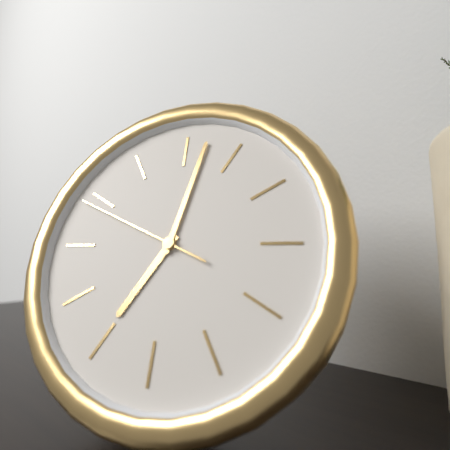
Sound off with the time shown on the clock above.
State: 7:02:49
